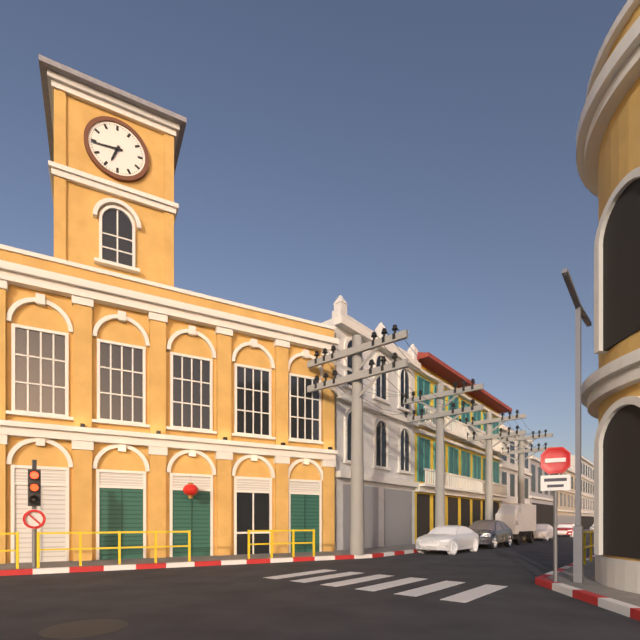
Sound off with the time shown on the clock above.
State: 6:44
